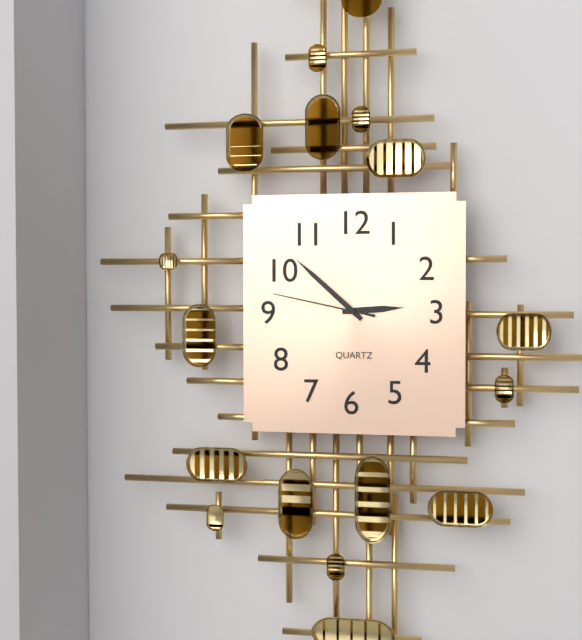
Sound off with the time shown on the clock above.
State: 2:52:47
